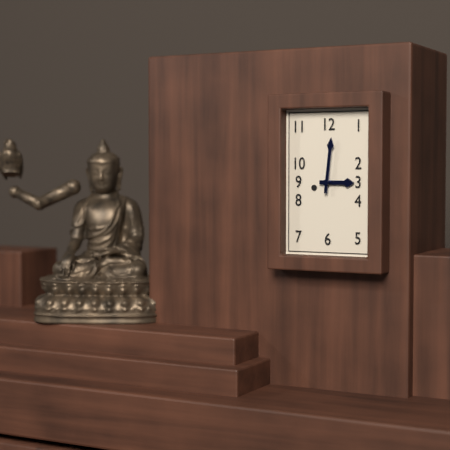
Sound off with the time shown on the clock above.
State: 3:01
